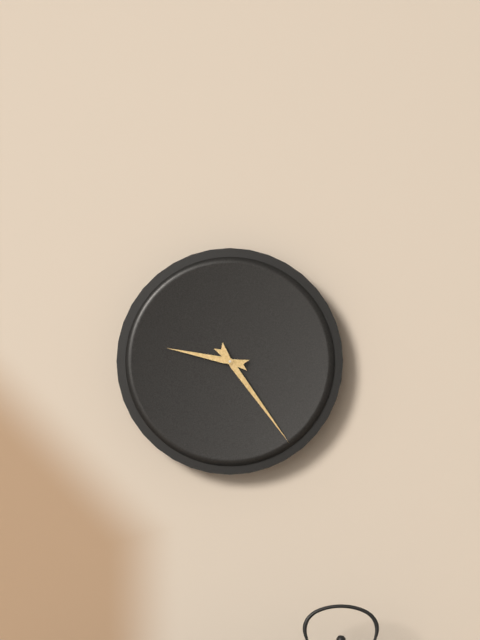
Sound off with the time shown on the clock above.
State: 9:24
